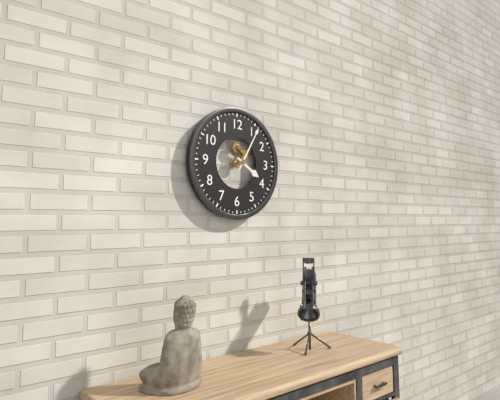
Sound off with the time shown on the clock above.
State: 4:05
